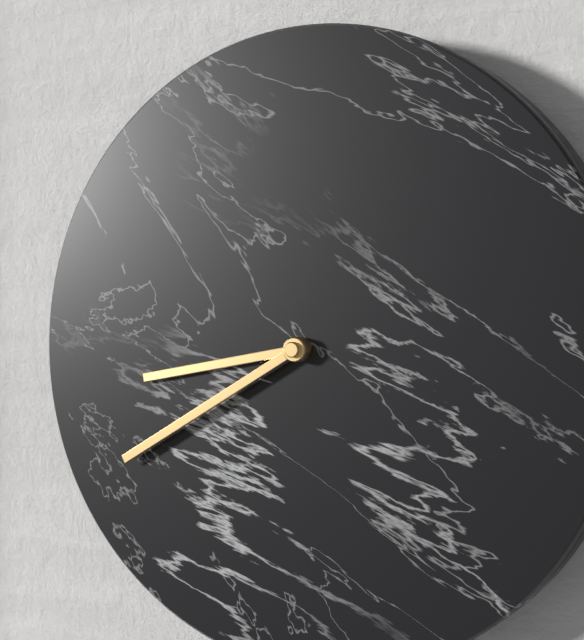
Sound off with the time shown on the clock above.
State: 8:40
